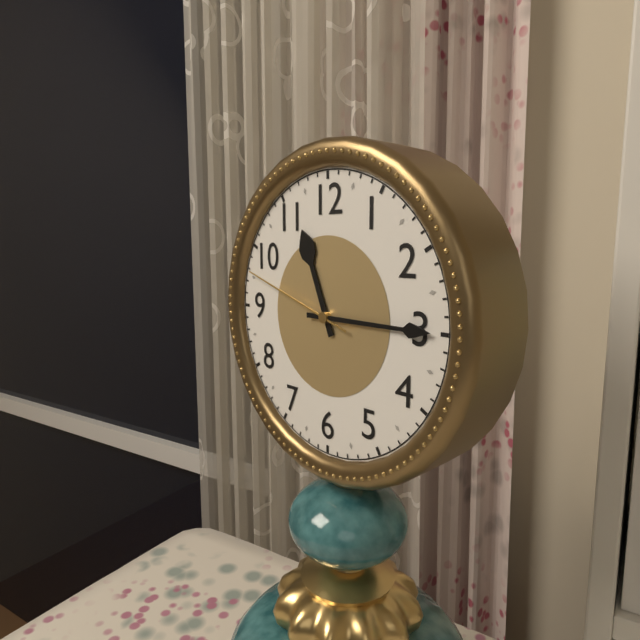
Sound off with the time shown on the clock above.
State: 11:15:48
